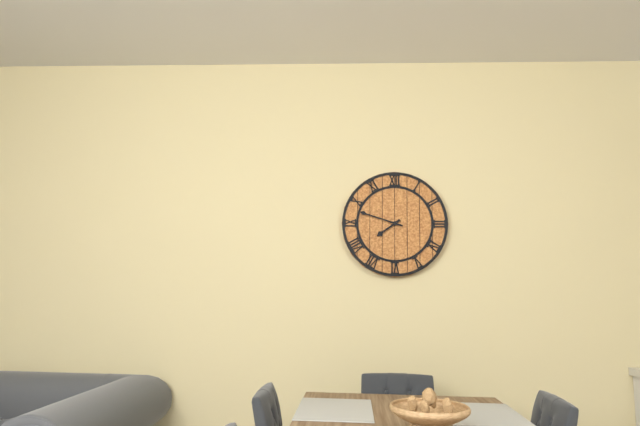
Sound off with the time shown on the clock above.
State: 7:48
